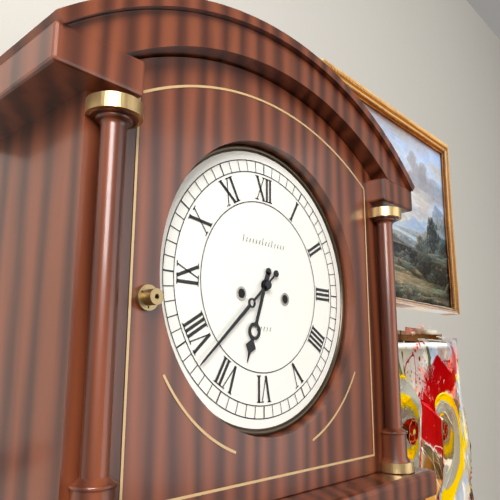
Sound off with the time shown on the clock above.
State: 6:38
